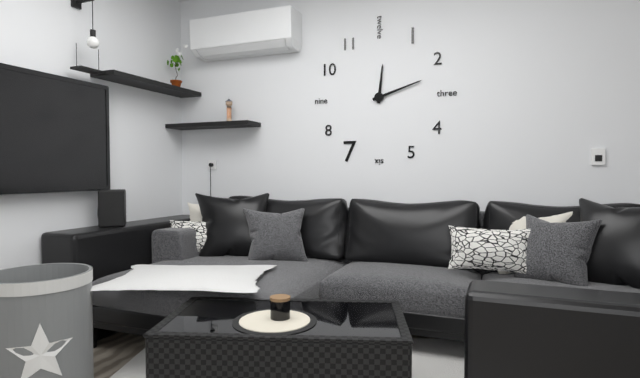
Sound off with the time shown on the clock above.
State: 12:12
